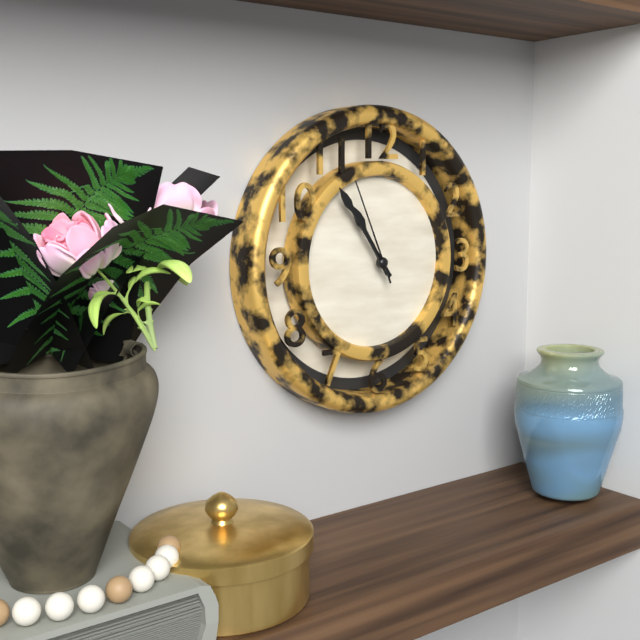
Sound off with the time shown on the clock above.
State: 10:54:56
